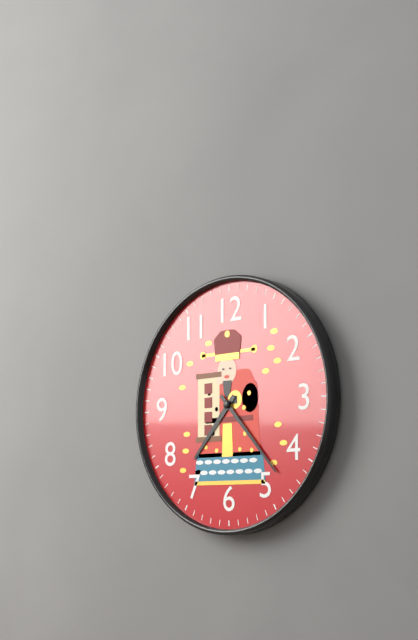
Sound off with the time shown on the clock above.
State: 7:23
